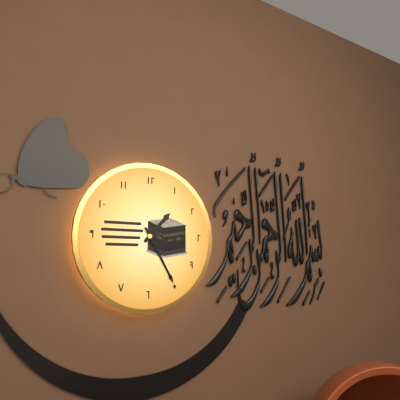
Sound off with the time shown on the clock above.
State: 1:25
